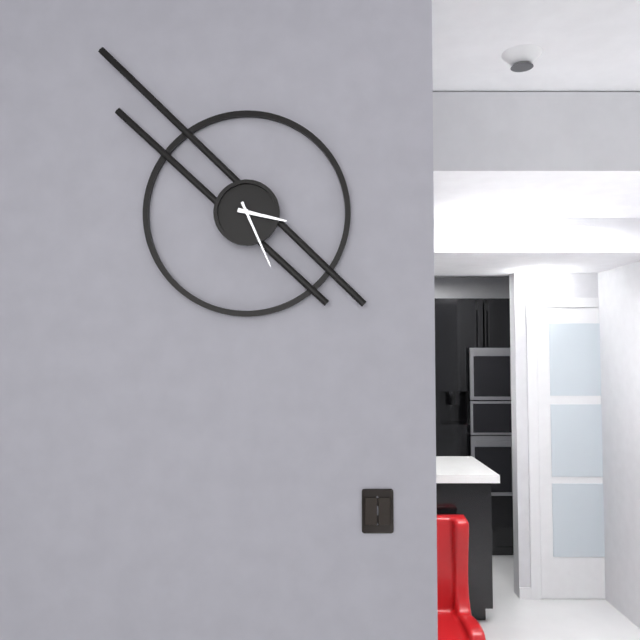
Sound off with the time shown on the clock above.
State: 3:26
